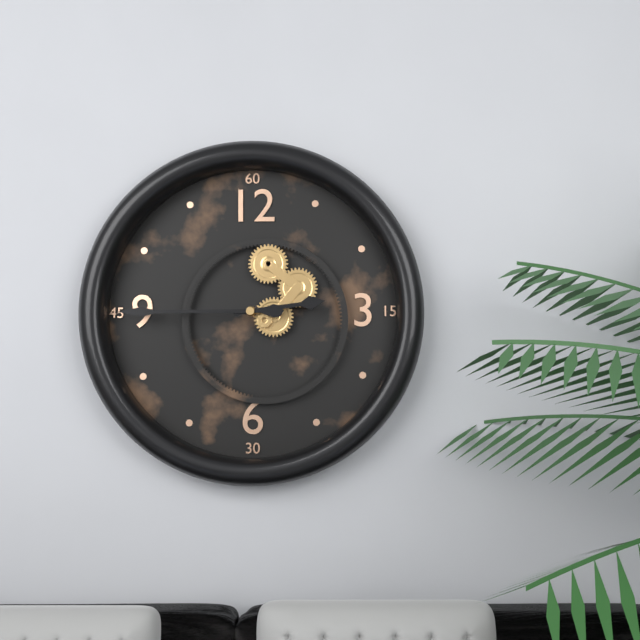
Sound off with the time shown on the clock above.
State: 2:45
